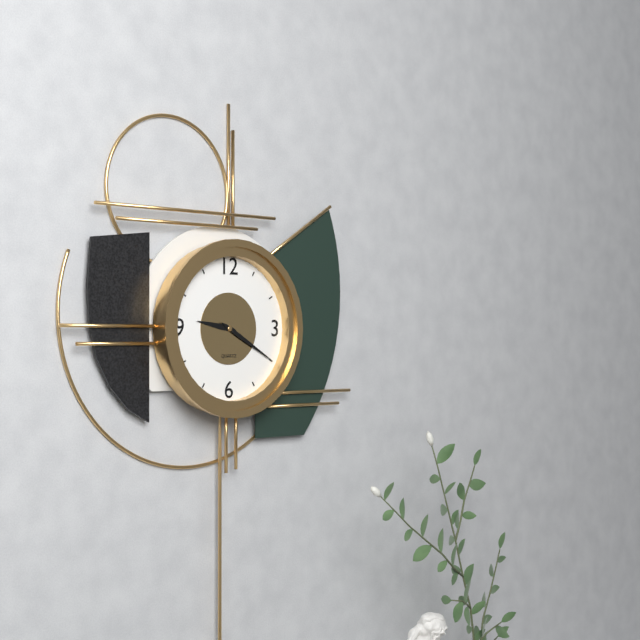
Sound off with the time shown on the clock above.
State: 9:20
